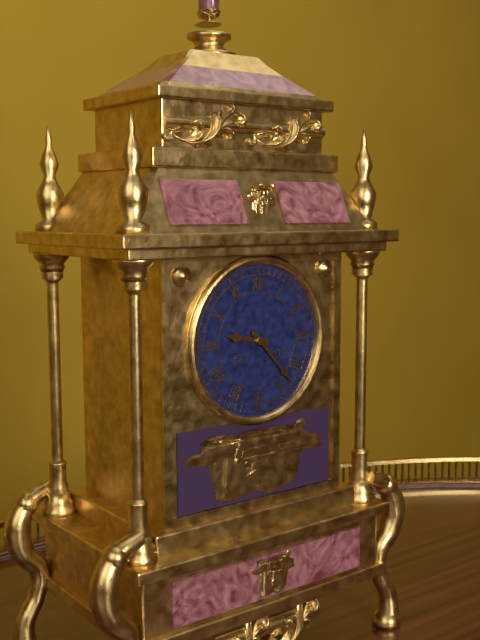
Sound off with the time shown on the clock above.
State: 9:23
